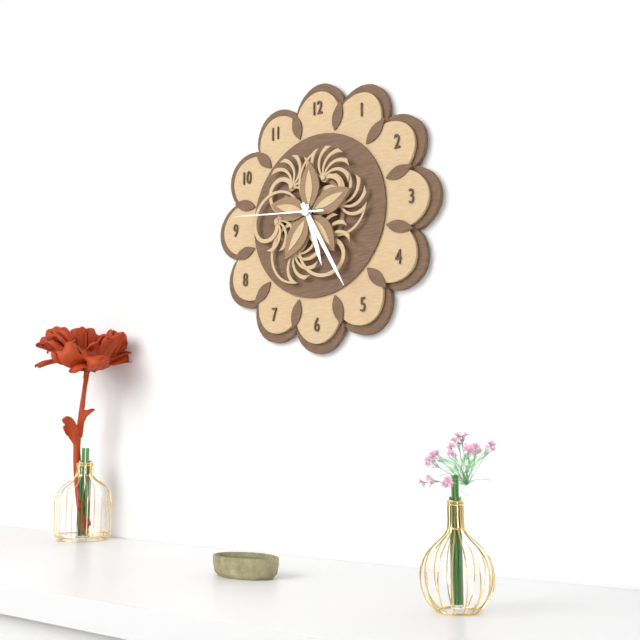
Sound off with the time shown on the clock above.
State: 5:25:46
